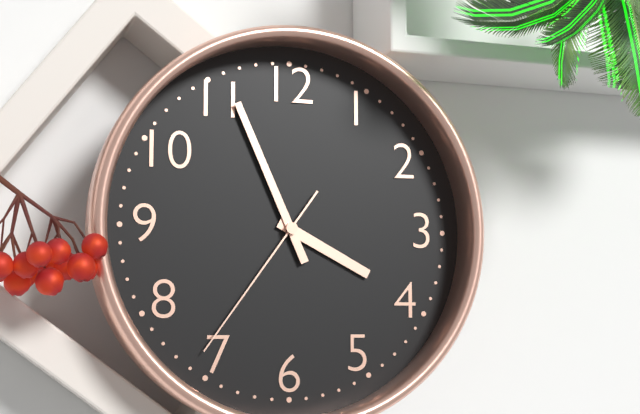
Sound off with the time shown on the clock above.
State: 3:56:36
